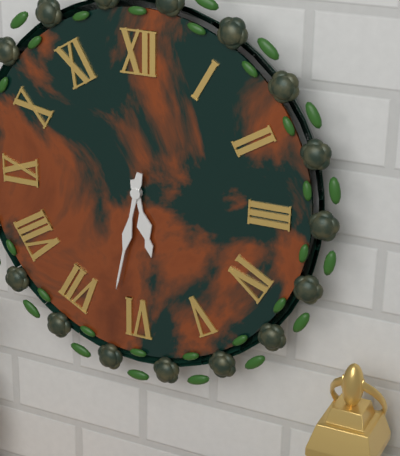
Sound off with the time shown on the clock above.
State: 5:32
